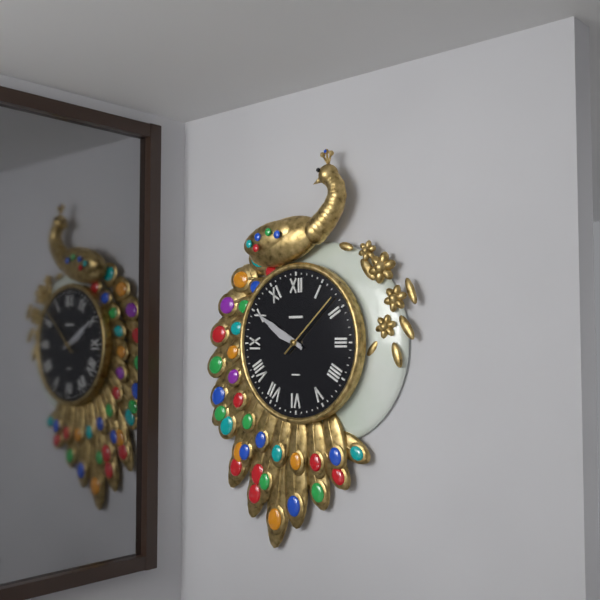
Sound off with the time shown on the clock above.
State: 9:50:08
